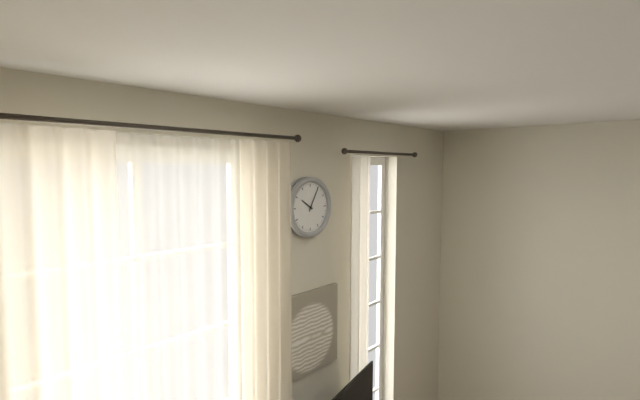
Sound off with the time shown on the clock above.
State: 10:05
